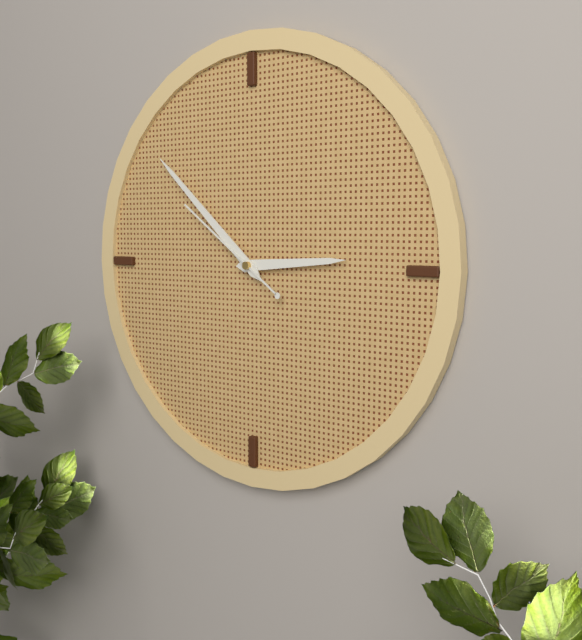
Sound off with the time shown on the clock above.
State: 2:52:51
